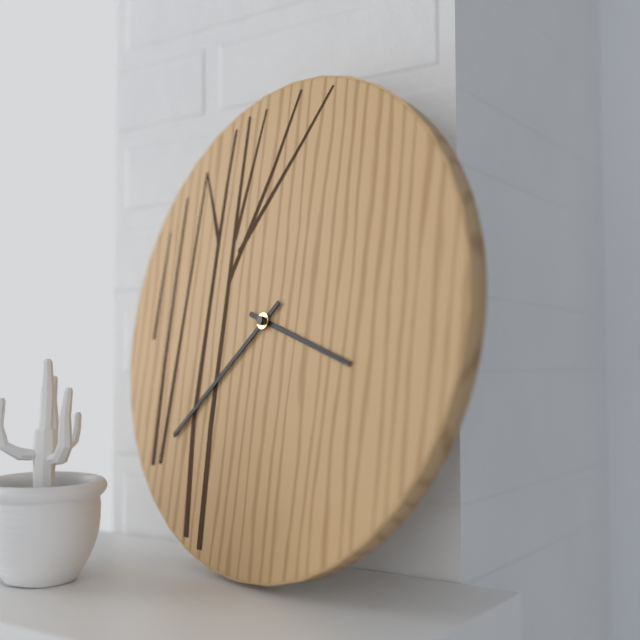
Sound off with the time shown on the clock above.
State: 3:38
